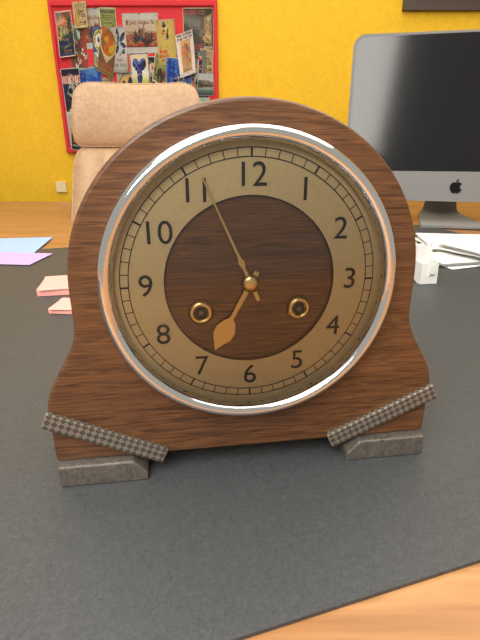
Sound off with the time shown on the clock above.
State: 6:56
